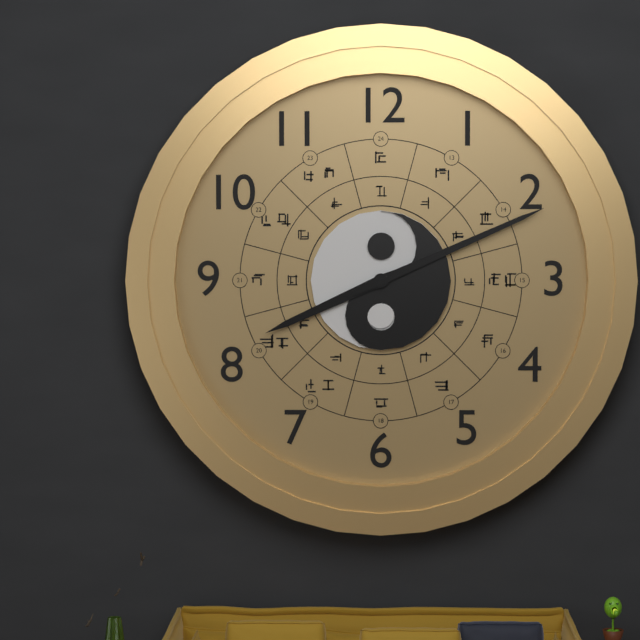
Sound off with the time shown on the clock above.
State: 8:11
